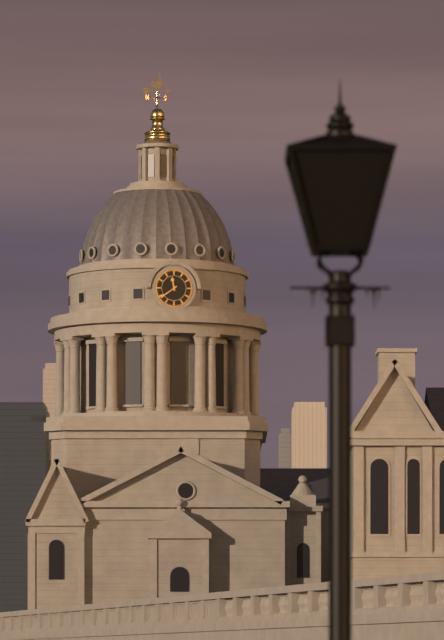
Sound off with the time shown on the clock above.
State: 11:39
